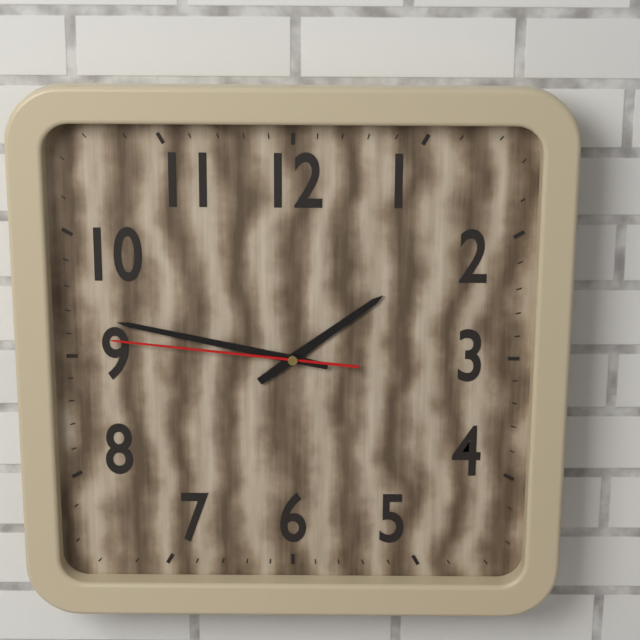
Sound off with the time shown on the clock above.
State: 1:47:46
